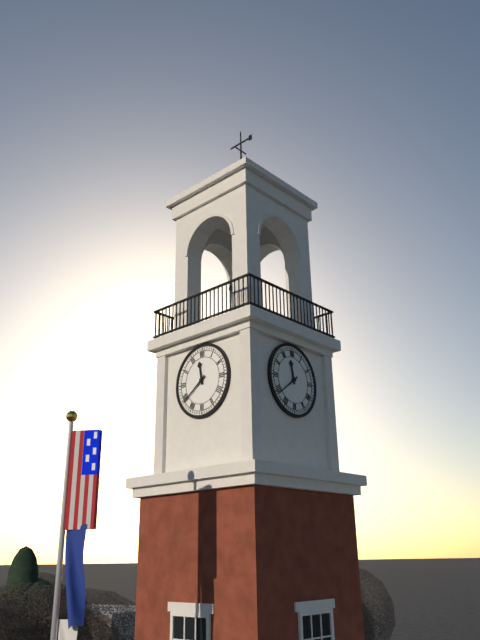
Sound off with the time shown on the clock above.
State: 11:39
